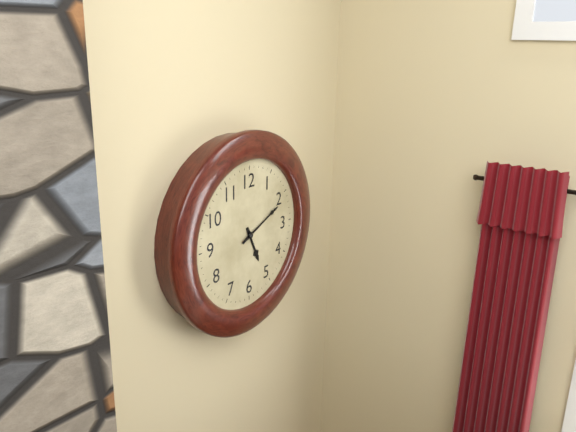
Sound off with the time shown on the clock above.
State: 5:11
